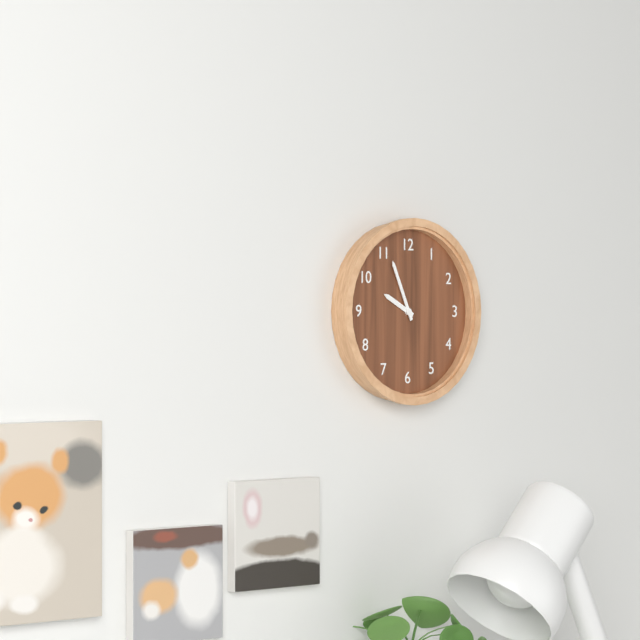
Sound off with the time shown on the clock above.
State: 9:56
